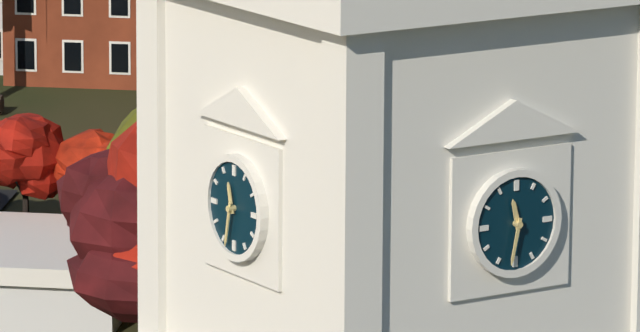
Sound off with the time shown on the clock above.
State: 11:32
